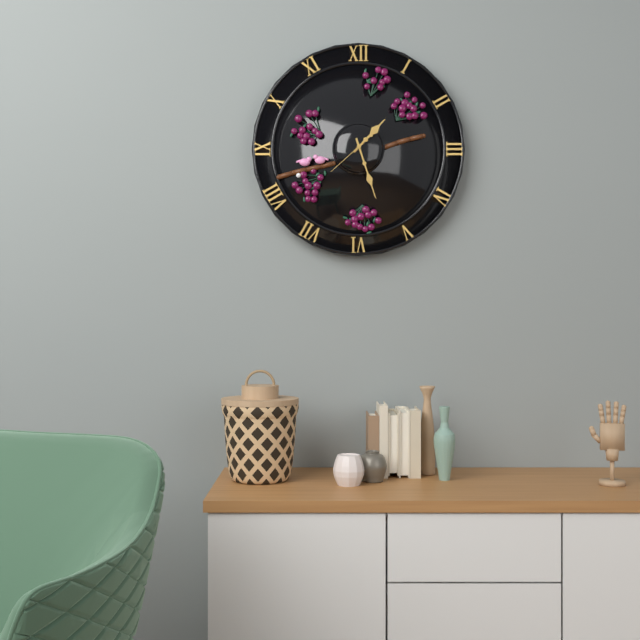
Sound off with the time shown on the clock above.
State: 1:27
